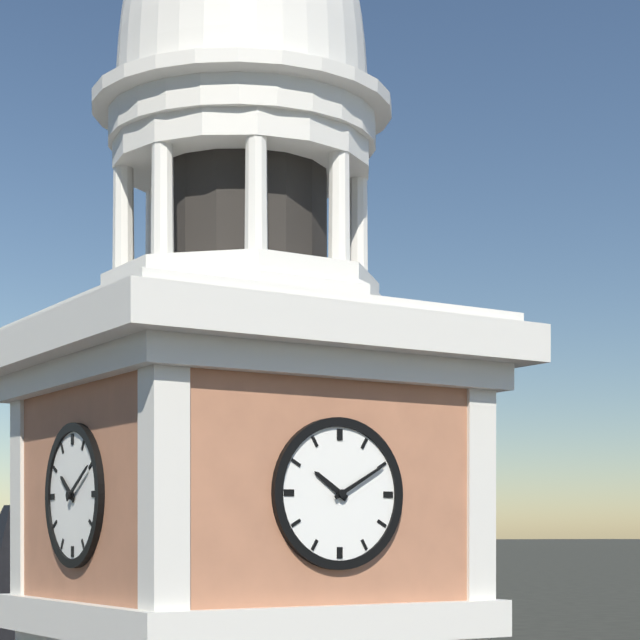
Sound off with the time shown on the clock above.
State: 10:10
